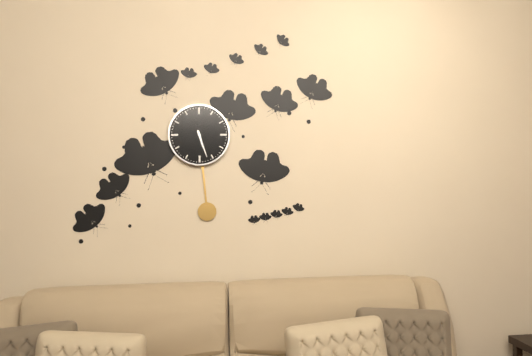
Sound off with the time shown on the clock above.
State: 5:27
